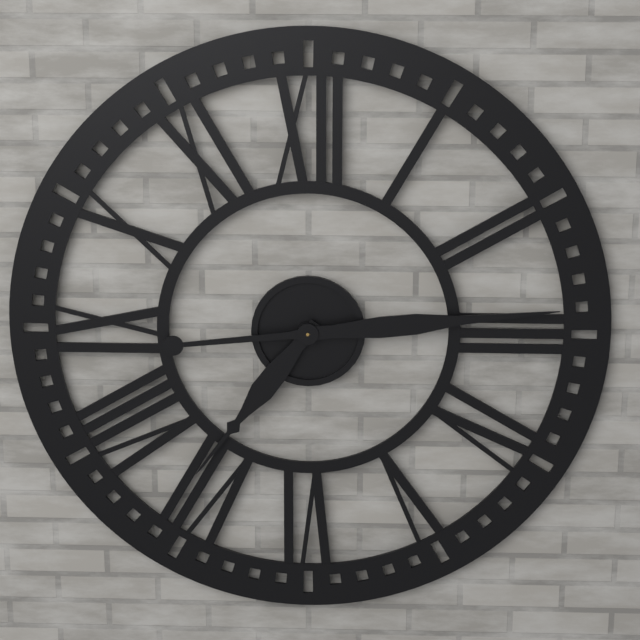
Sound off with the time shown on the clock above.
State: 7:14
